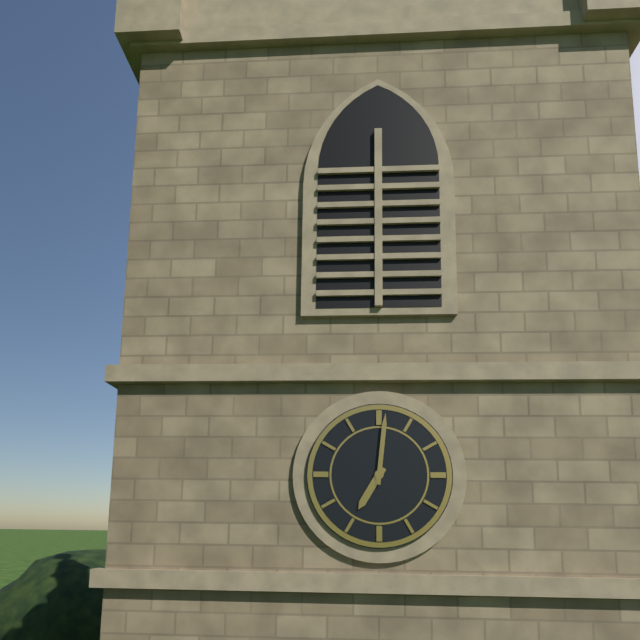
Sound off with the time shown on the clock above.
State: 7:01
